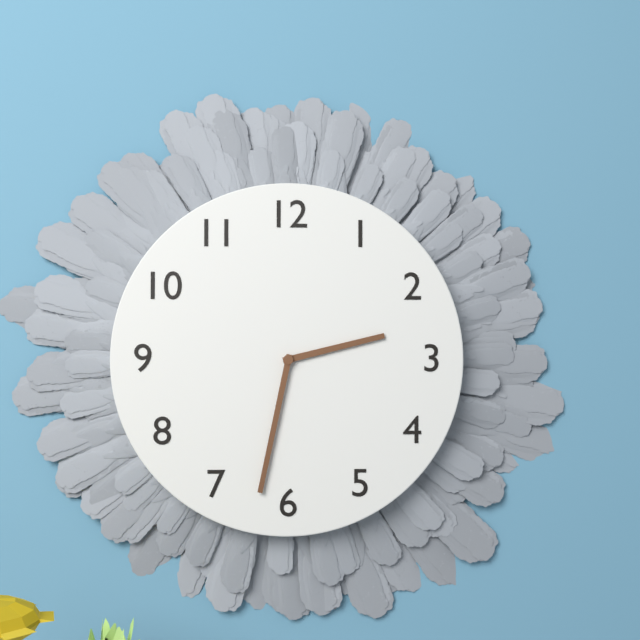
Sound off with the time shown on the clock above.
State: 2:32
